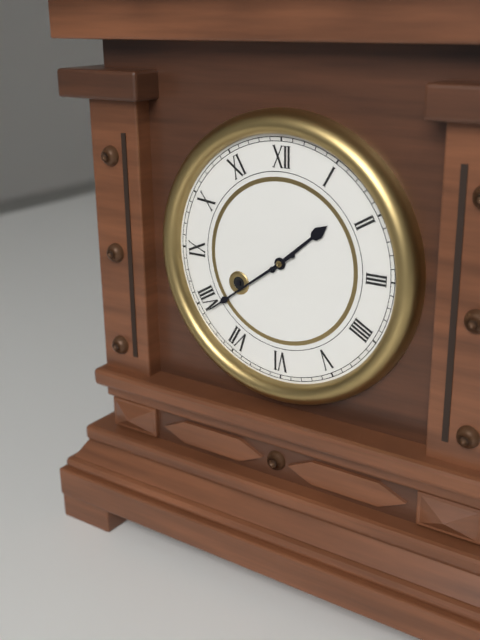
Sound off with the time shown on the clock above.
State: 1:39
